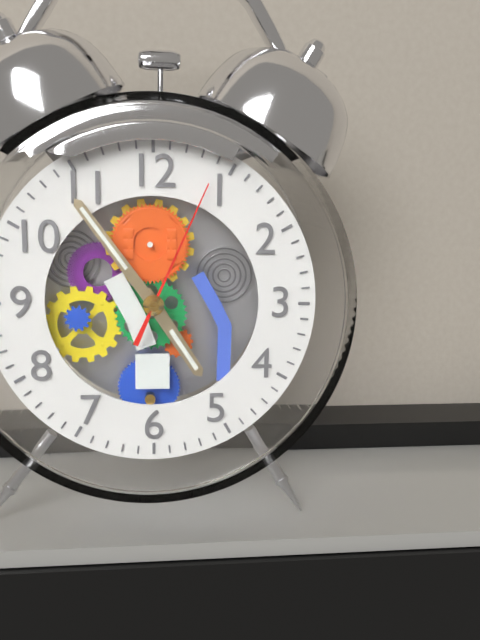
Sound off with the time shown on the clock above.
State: 4:54:04
